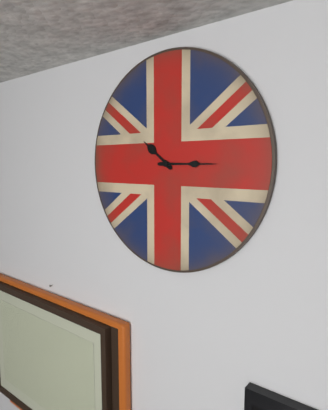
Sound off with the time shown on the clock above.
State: 10:15
